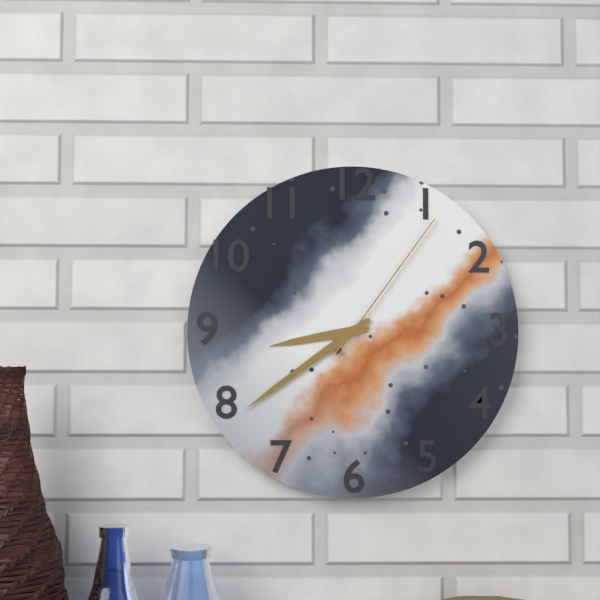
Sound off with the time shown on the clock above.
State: 8:39:06
